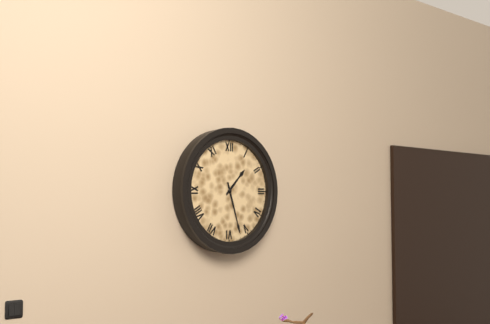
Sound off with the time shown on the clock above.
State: 1:27
